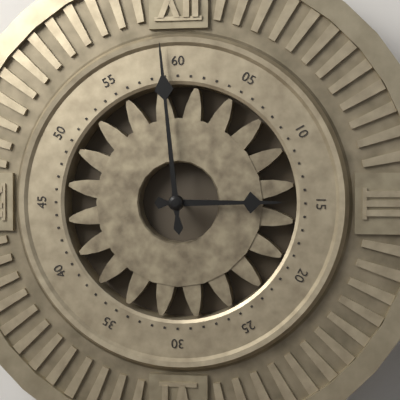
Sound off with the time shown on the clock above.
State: 2:59
